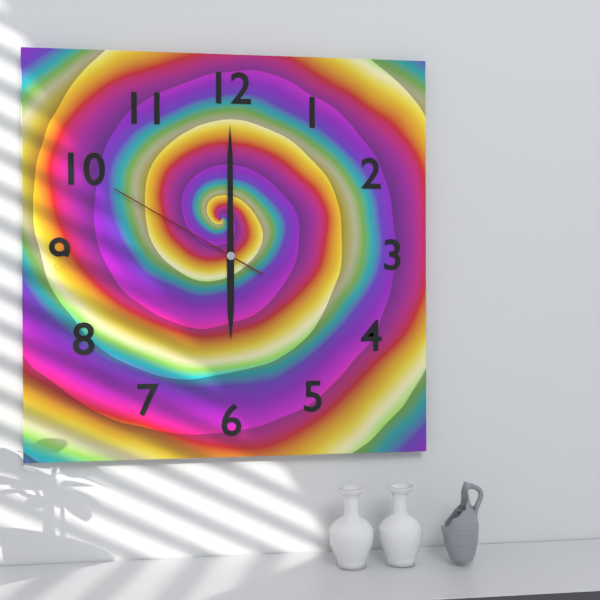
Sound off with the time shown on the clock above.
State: 6:00:50
